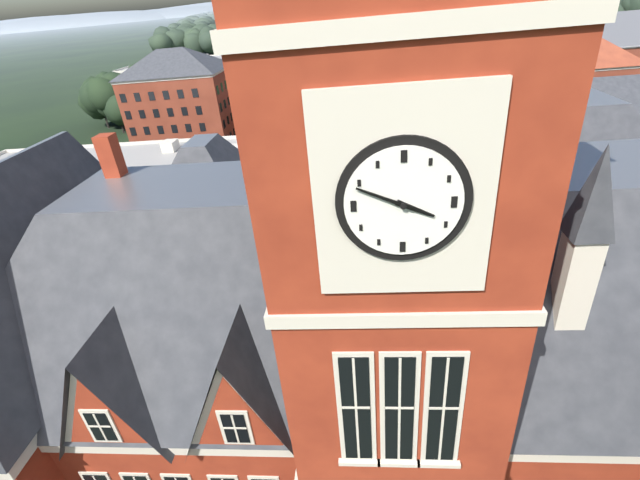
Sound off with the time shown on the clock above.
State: 3:49
